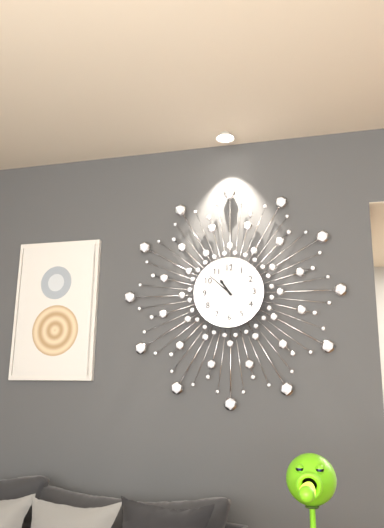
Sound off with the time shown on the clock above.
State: 10:52
